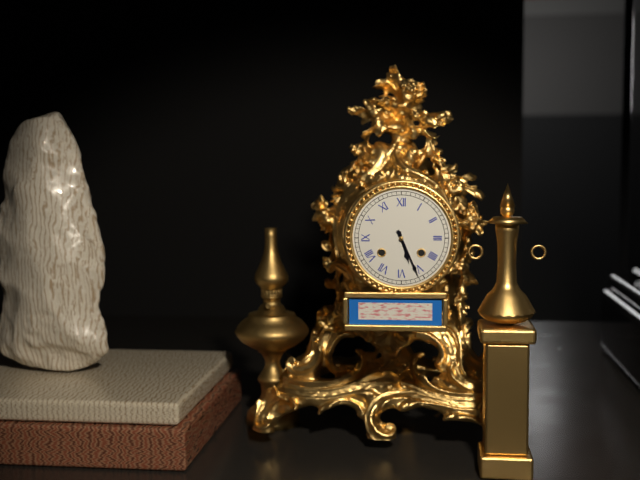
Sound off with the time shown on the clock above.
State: 5:26
